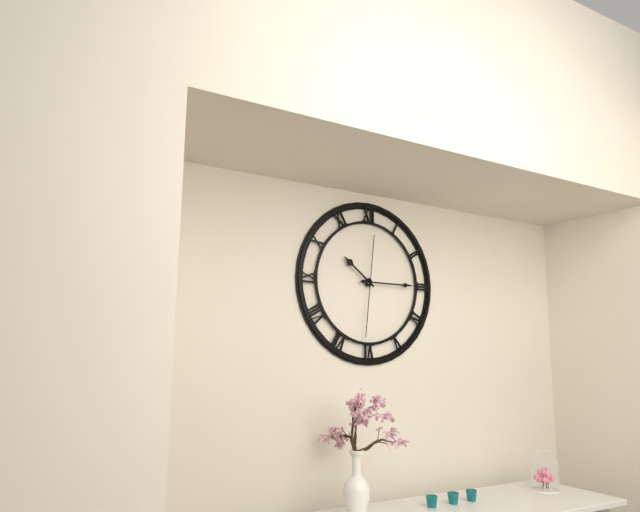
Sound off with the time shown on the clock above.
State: 10:15:31
